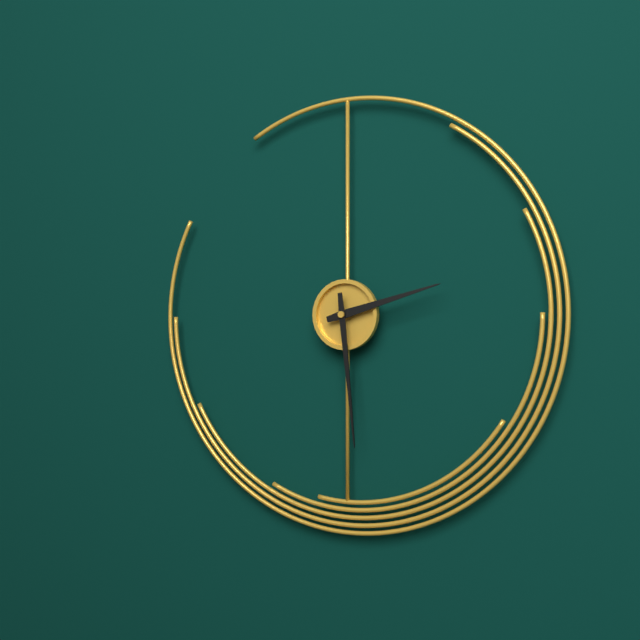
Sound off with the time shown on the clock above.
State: 2:29
